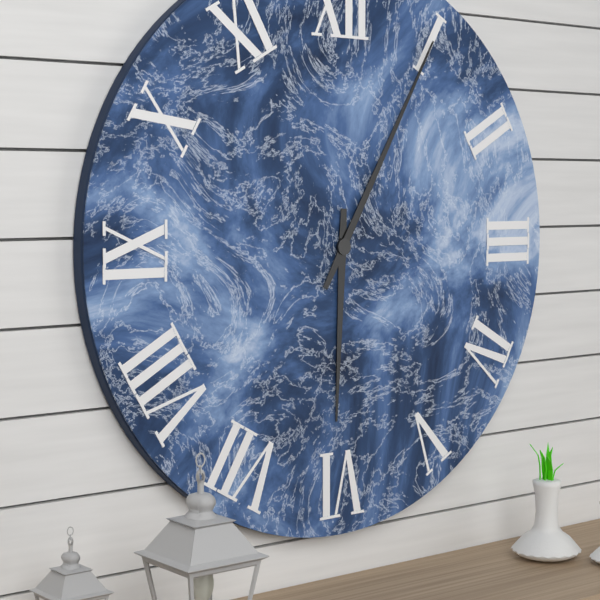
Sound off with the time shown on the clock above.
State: 6:05
